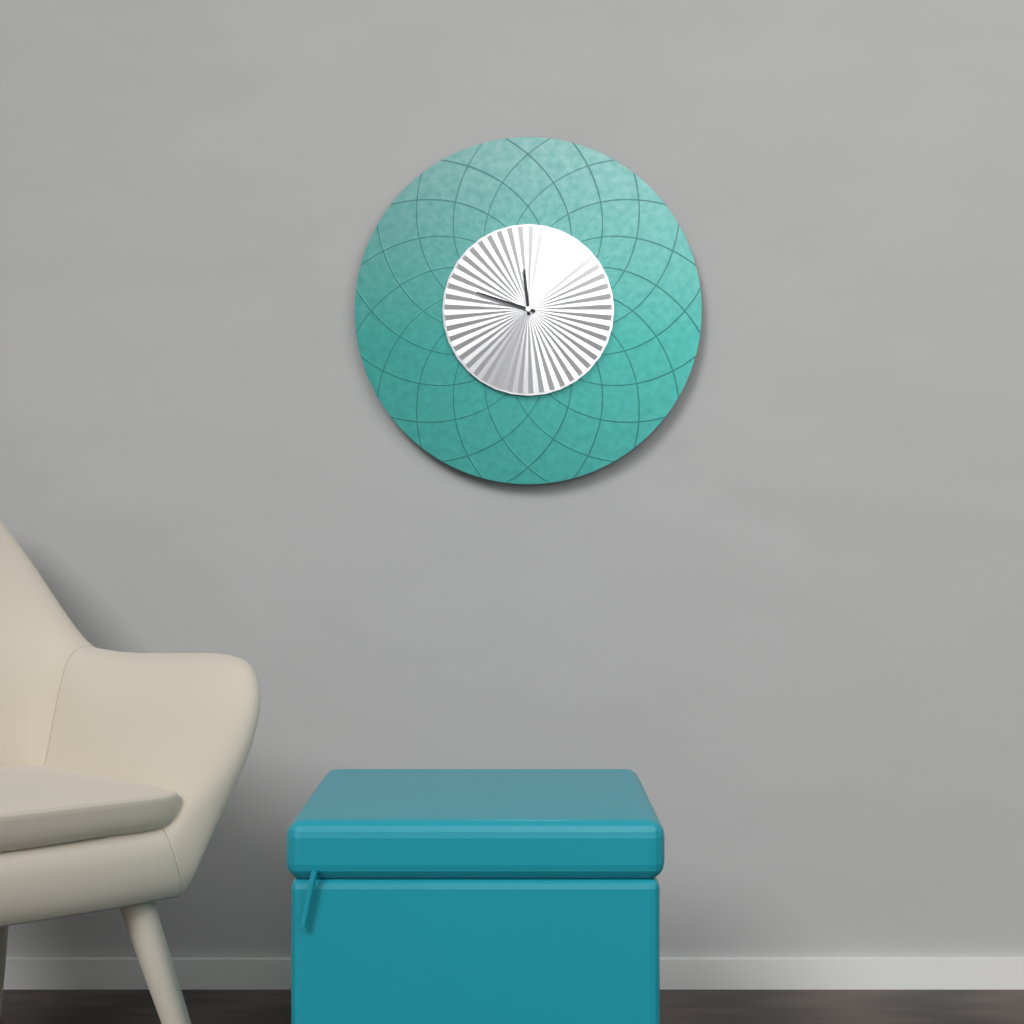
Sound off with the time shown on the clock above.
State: 11:48
